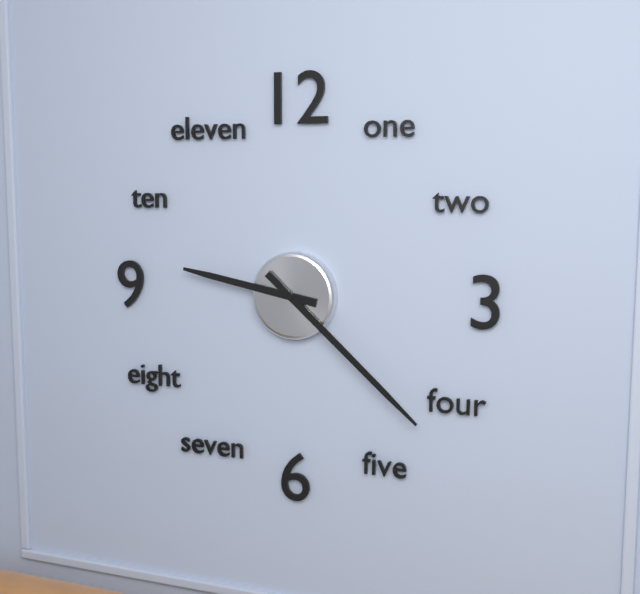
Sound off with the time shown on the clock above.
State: 9:22
